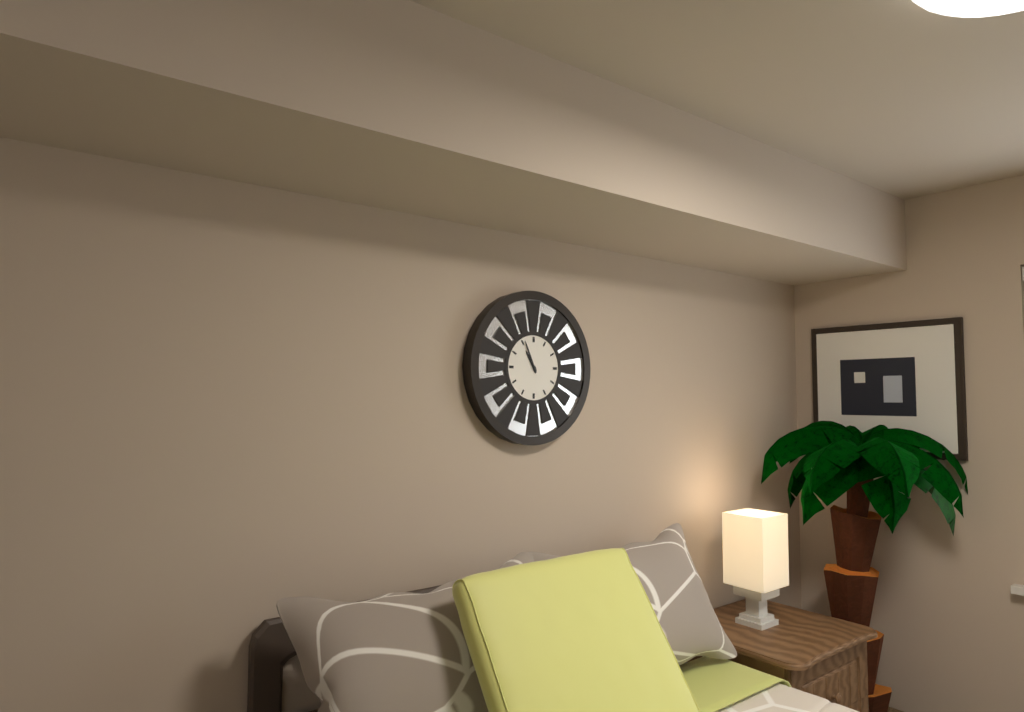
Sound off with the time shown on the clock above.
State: 10:56
